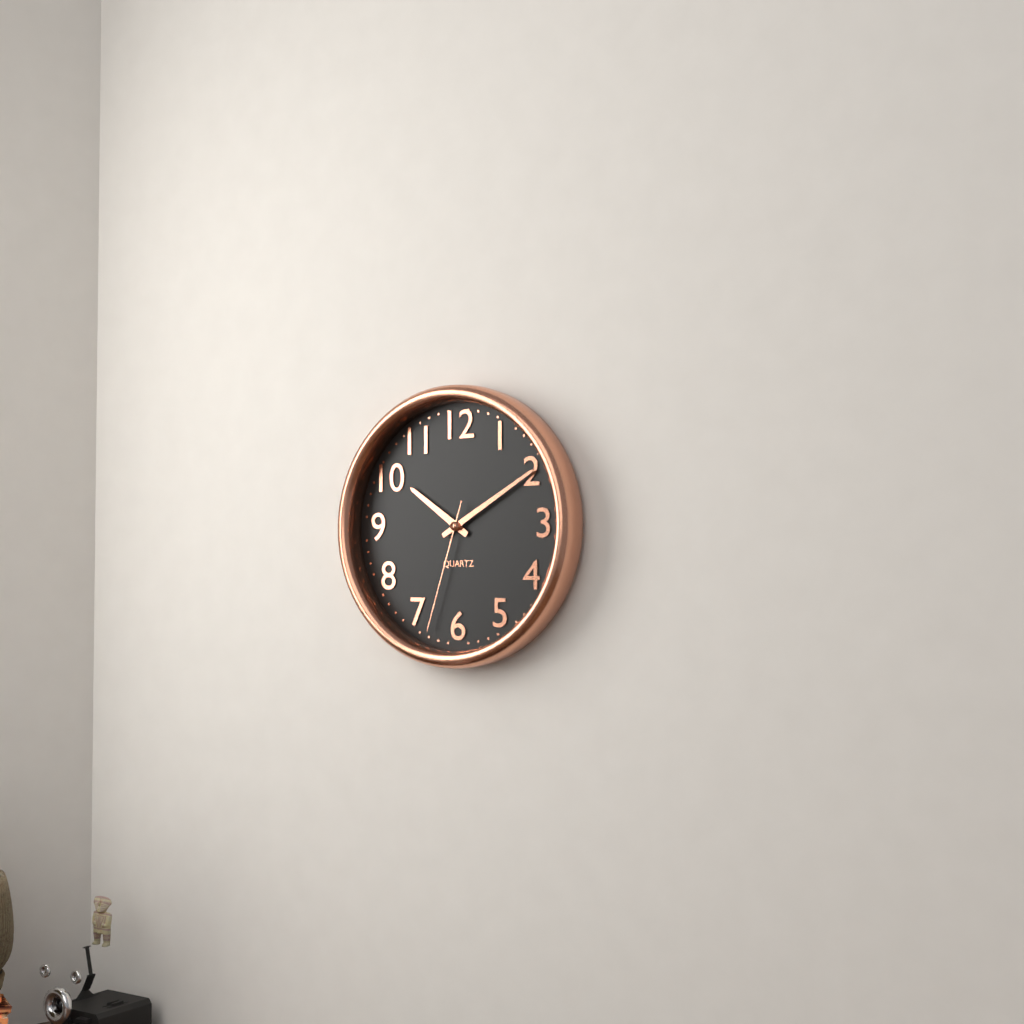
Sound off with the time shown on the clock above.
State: 10:10:33
